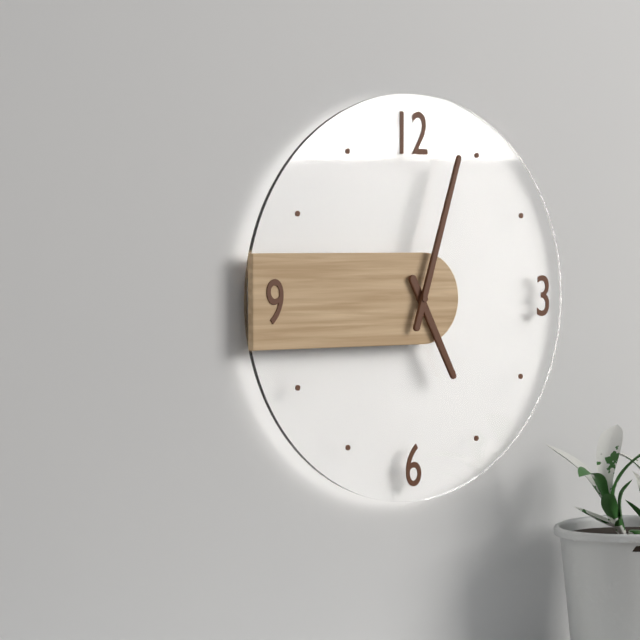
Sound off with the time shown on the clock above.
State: 5:03
